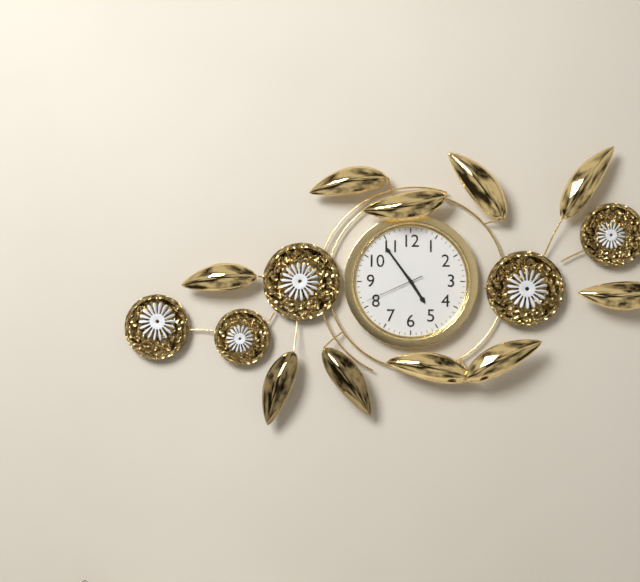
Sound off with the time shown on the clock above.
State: 4:54:41
